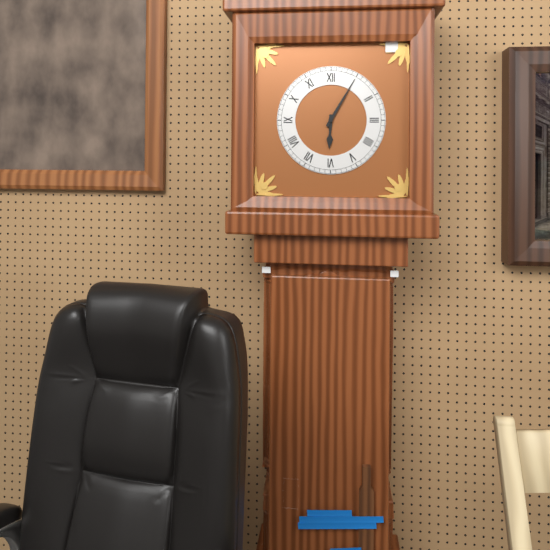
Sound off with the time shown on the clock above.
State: 6:05
